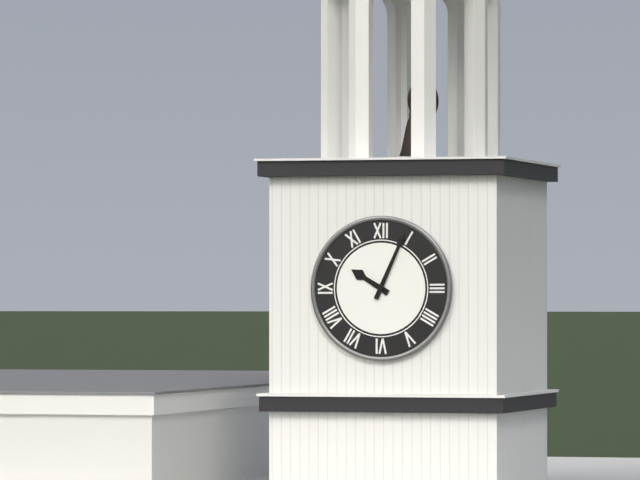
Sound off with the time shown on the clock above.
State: 10:04
